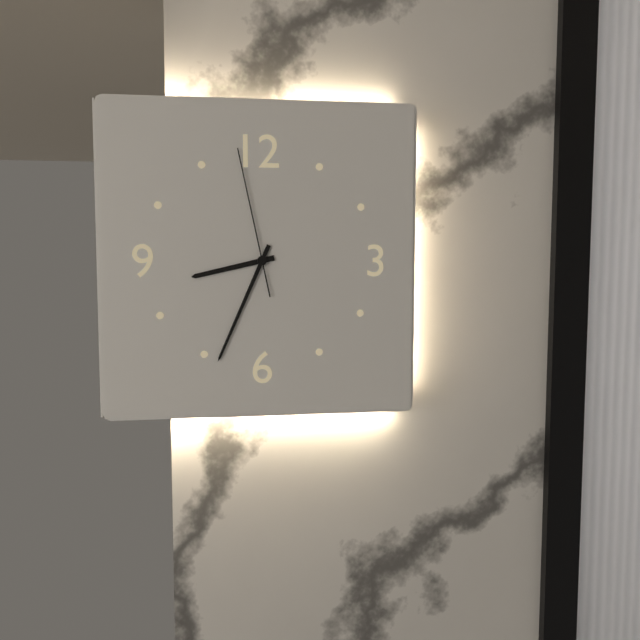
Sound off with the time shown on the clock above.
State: 8:34:58
